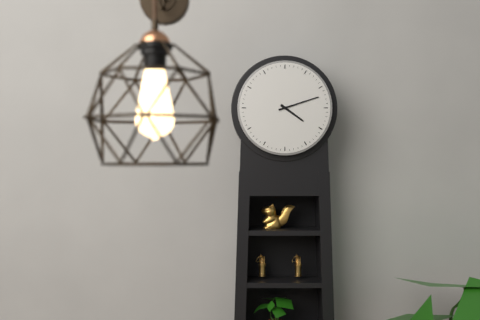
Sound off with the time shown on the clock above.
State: 4:12
